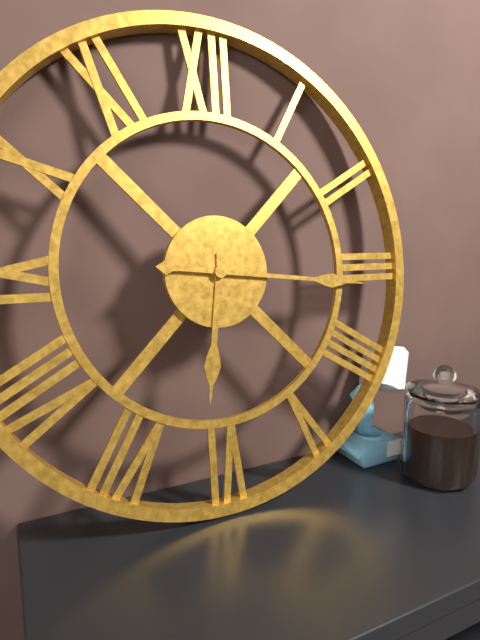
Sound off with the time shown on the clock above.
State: 6:16
